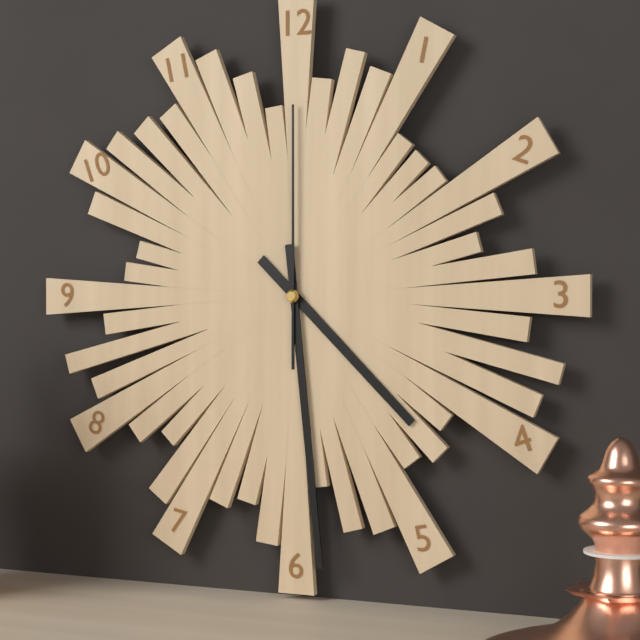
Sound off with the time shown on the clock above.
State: 4:29:00
